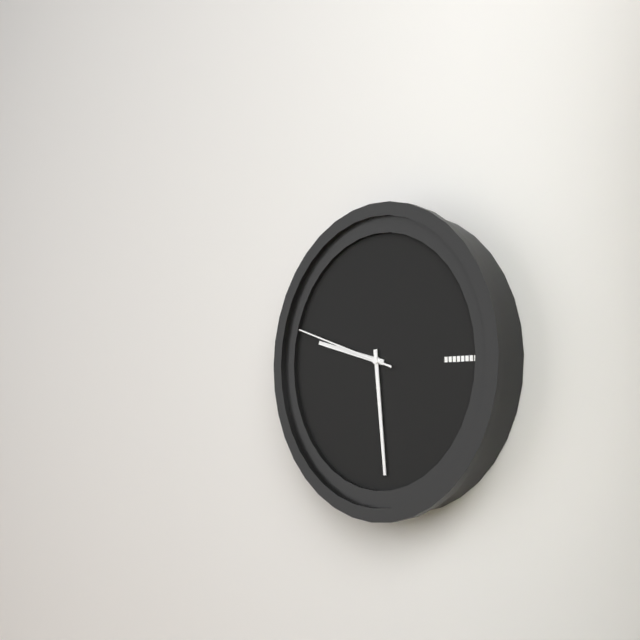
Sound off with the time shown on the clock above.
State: 9:29:48
